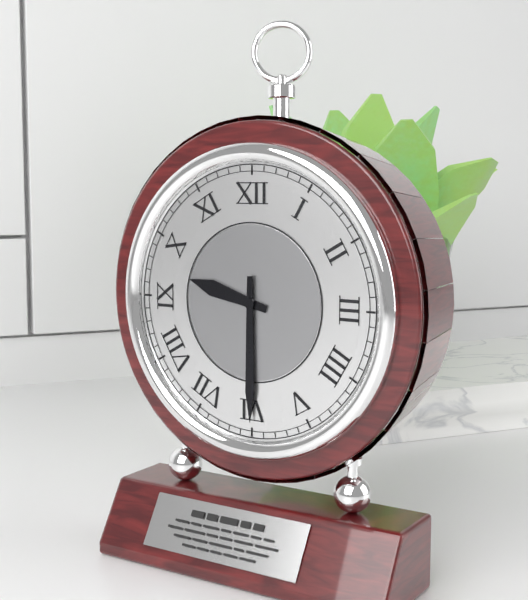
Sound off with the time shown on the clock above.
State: 9:30
